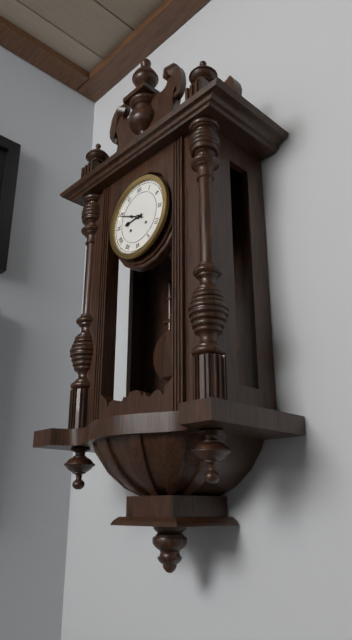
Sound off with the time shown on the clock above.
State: 8:49
